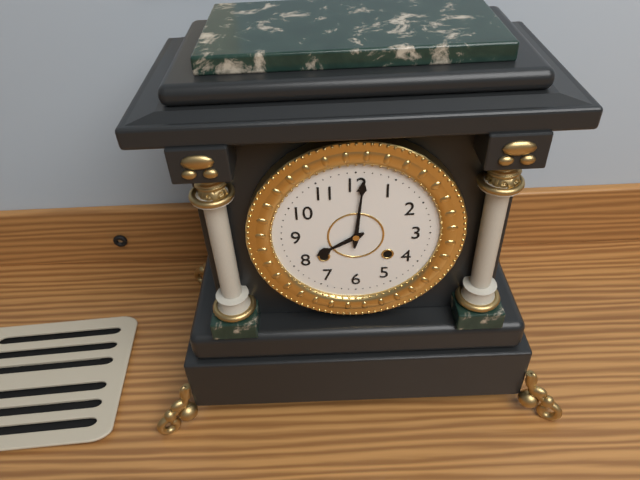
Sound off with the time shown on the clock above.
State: 8:01
